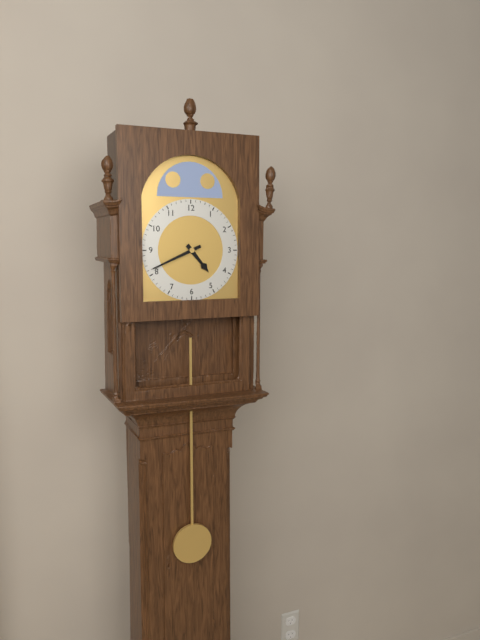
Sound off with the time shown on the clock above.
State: 4:41
